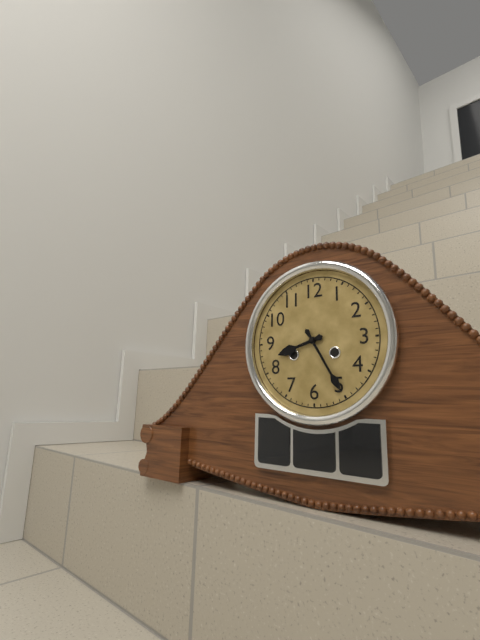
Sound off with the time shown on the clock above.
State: 8:25
